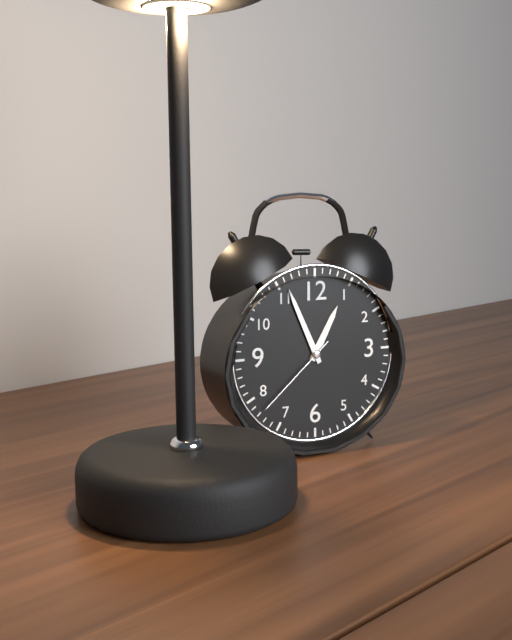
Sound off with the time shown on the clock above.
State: 12:56:38
